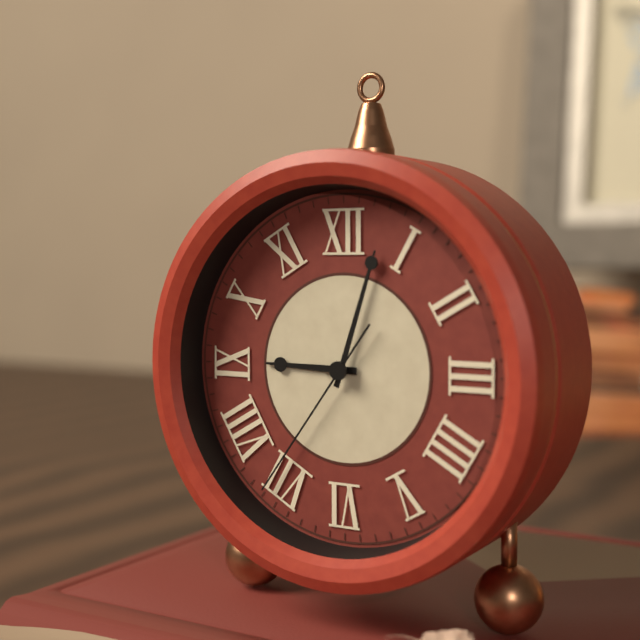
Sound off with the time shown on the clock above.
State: 9:03:36
